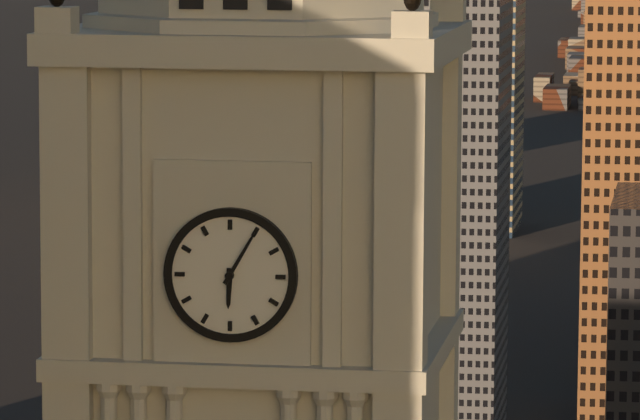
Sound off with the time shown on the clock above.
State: 6:05
